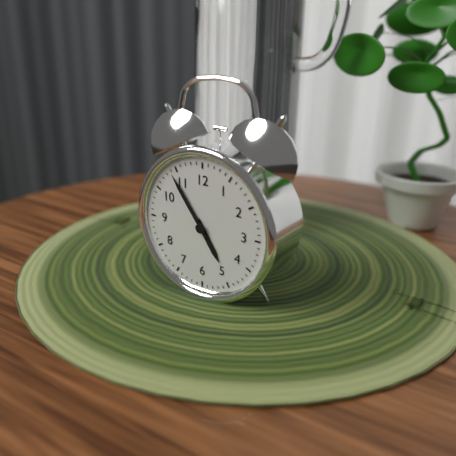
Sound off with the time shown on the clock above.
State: 4:54
